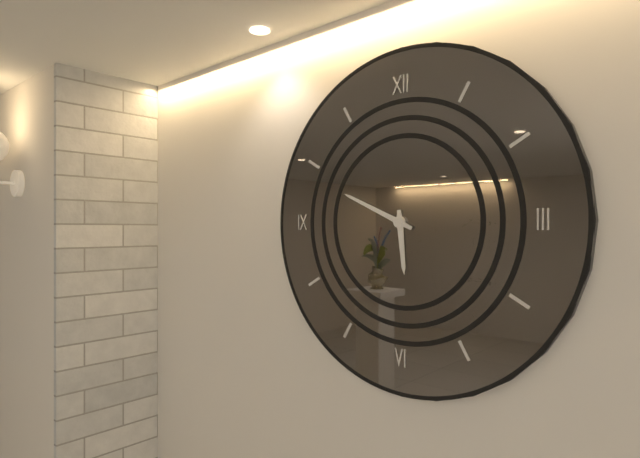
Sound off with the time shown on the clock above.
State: 5:49
